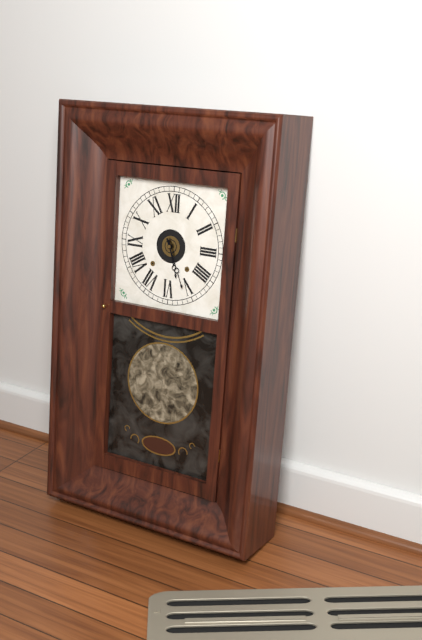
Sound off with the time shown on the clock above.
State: 5:26
